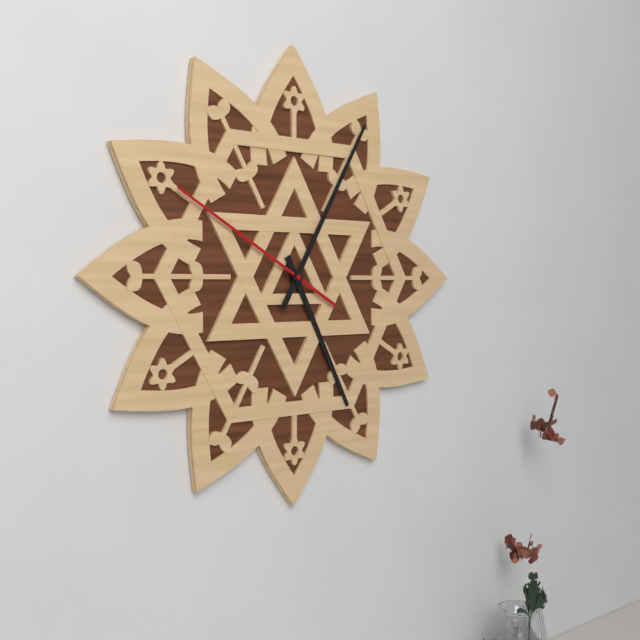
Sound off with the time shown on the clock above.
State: 5:05:50
